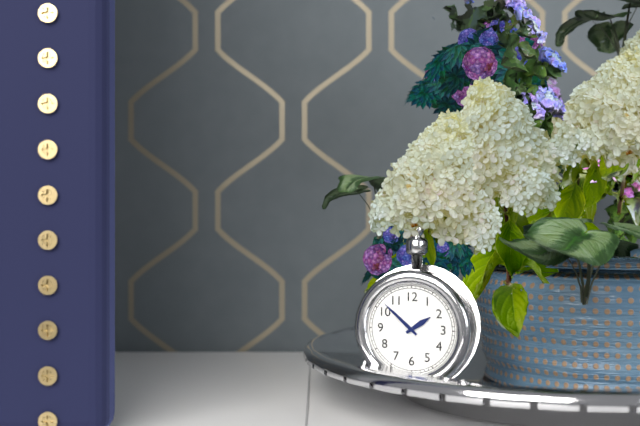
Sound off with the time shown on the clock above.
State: 1:52
